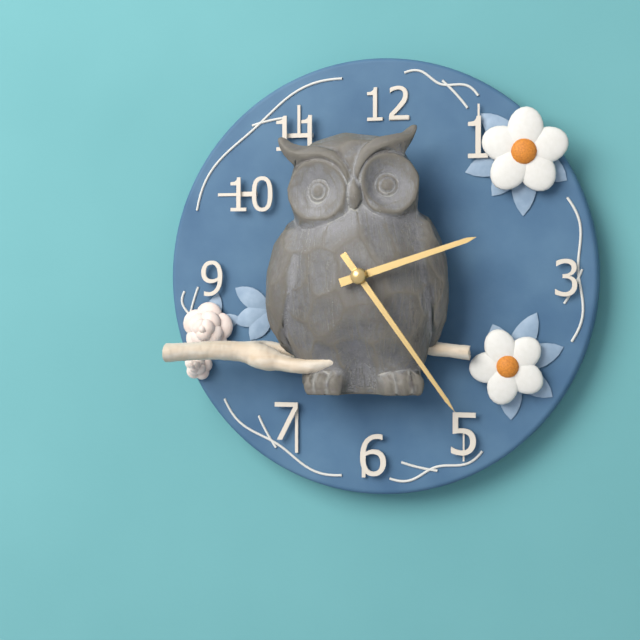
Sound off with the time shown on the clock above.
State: 2:24
